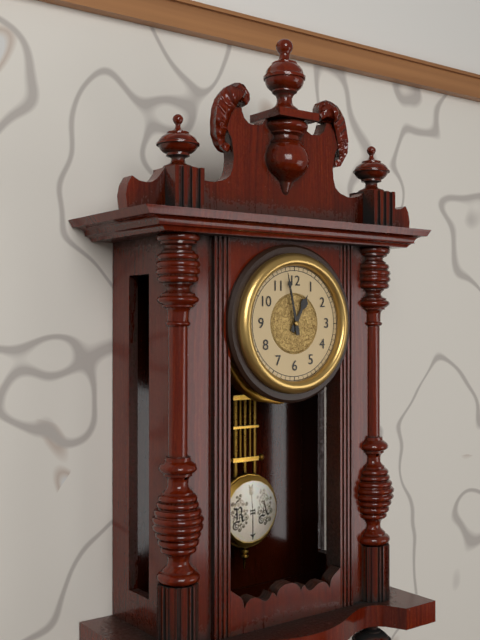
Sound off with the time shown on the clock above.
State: 12:58
